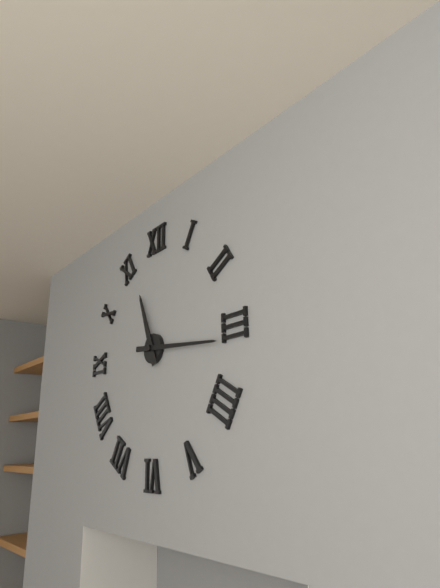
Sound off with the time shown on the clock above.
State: 11:16
